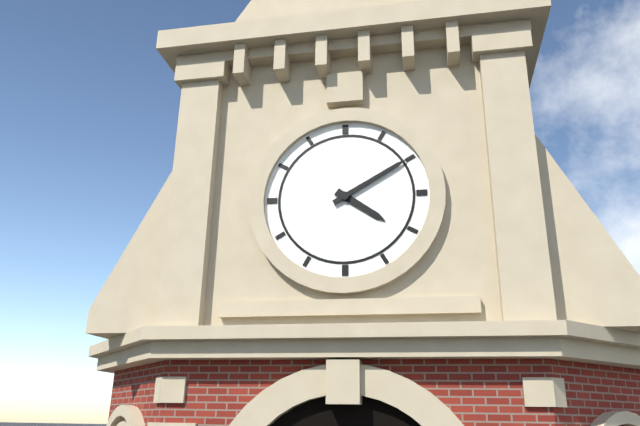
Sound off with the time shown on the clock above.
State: 4:10
